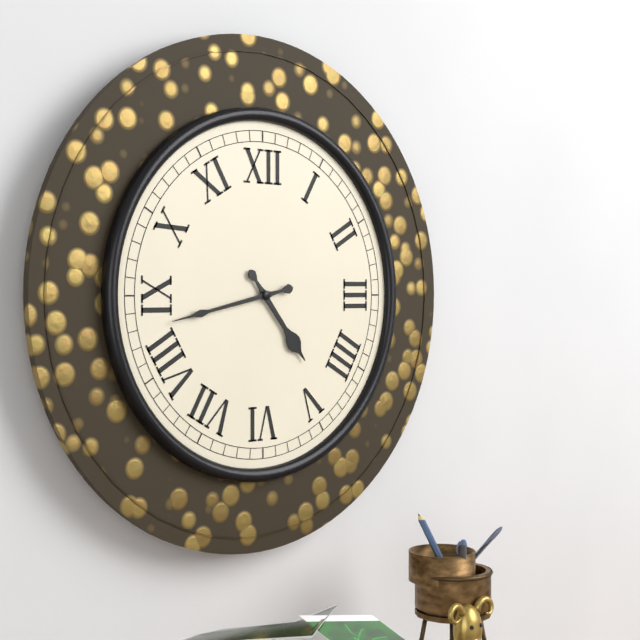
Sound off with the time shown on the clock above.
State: 4:43
